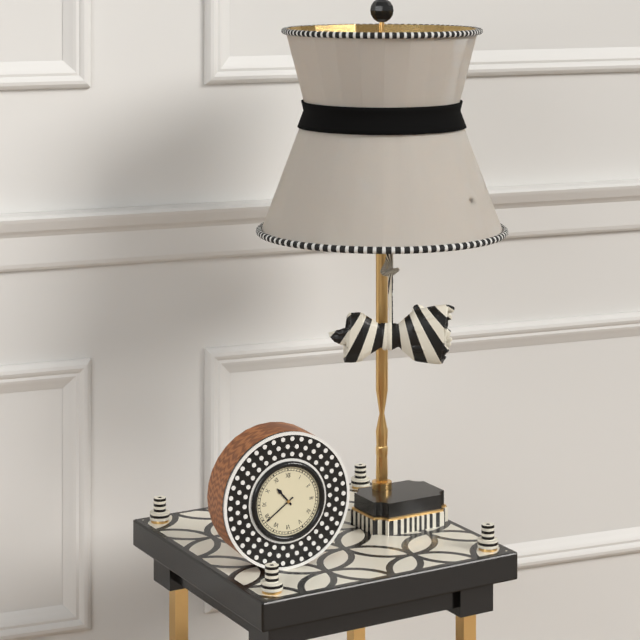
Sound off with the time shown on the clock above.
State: 10:39
